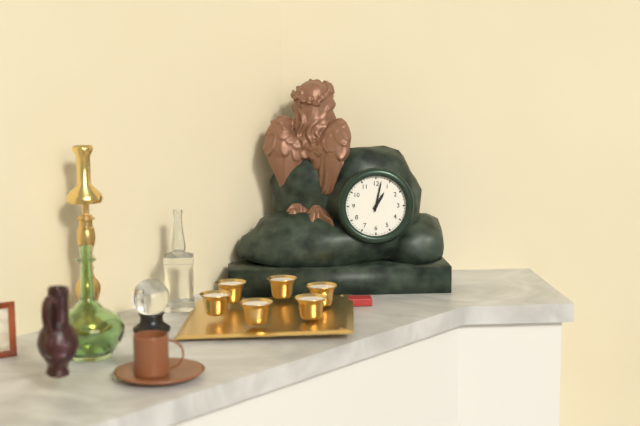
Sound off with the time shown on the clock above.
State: 1:02
